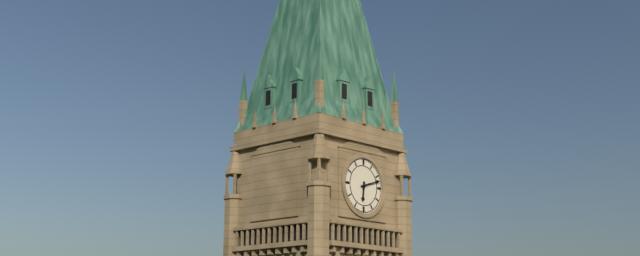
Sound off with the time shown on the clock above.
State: 6:12
